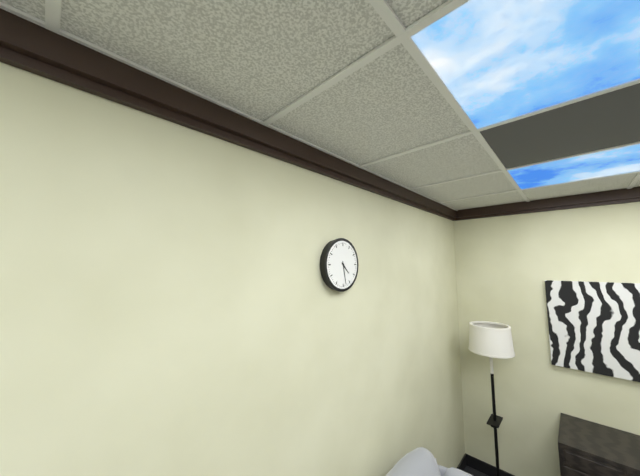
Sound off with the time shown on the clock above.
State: 4:28
